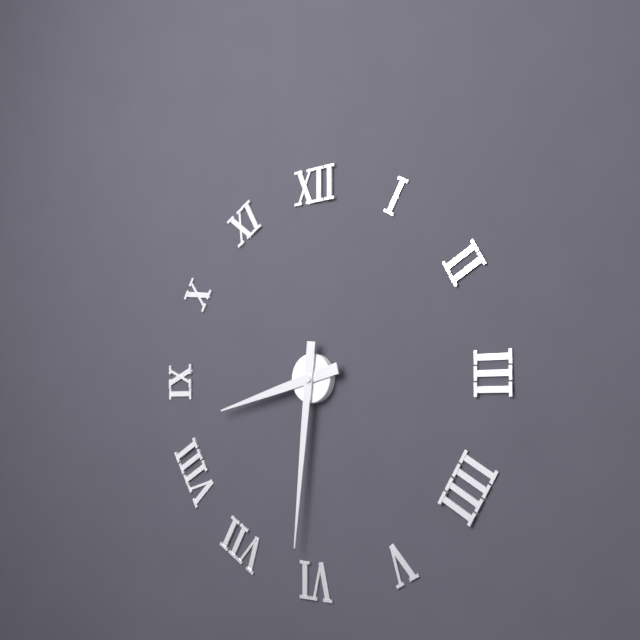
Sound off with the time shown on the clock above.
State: 8:31
